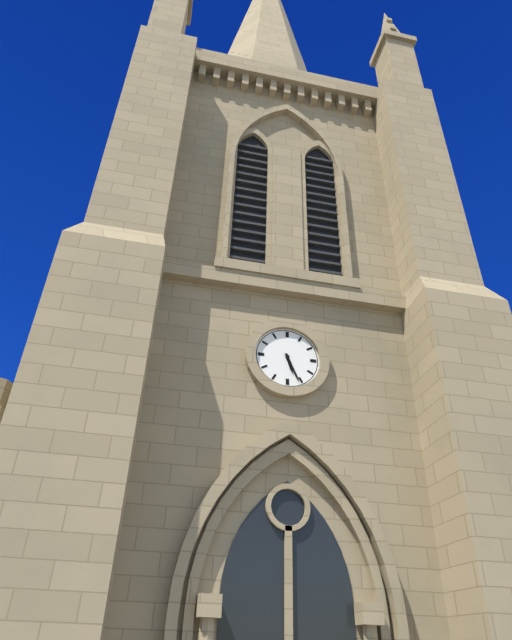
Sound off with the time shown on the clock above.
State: 5:26
